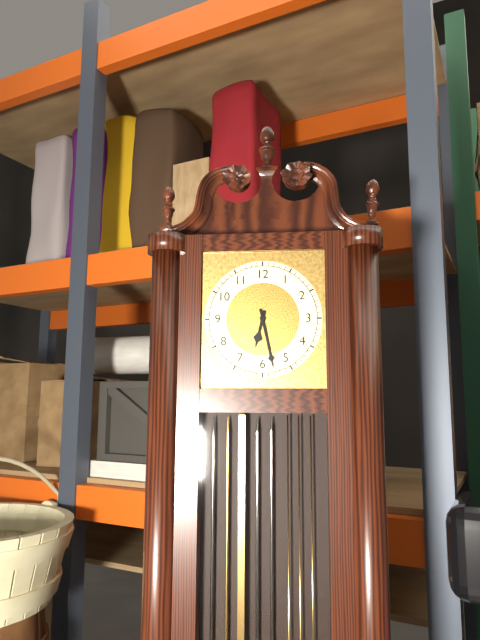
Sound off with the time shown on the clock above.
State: 6:28
